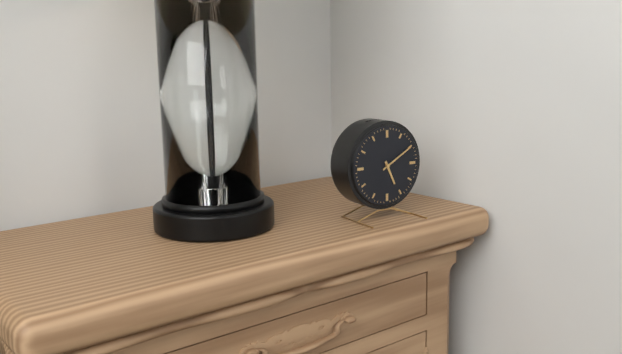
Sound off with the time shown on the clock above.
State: 5:10
